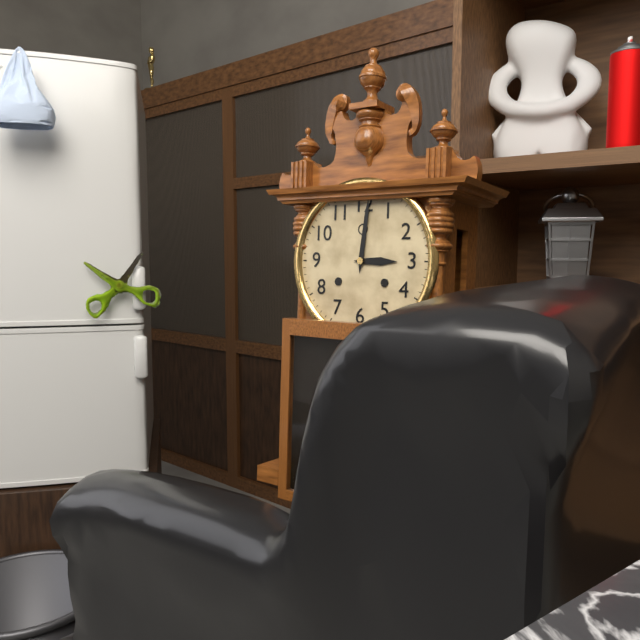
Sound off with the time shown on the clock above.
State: 3:01
